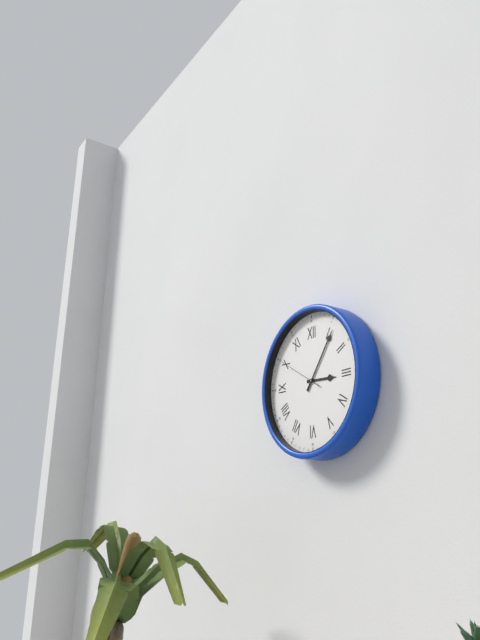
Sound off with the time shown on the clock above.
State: 3:06
